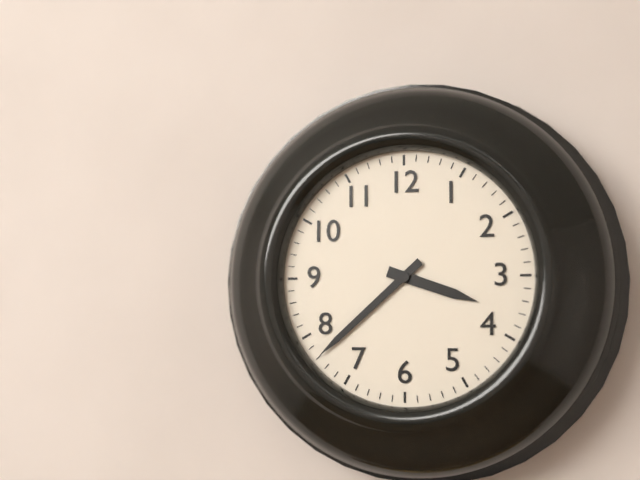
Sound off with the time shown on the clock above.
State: 3:38
